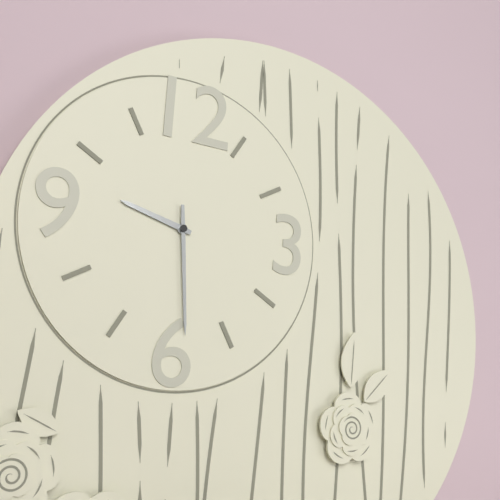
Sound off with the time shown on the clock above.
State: 9:29
